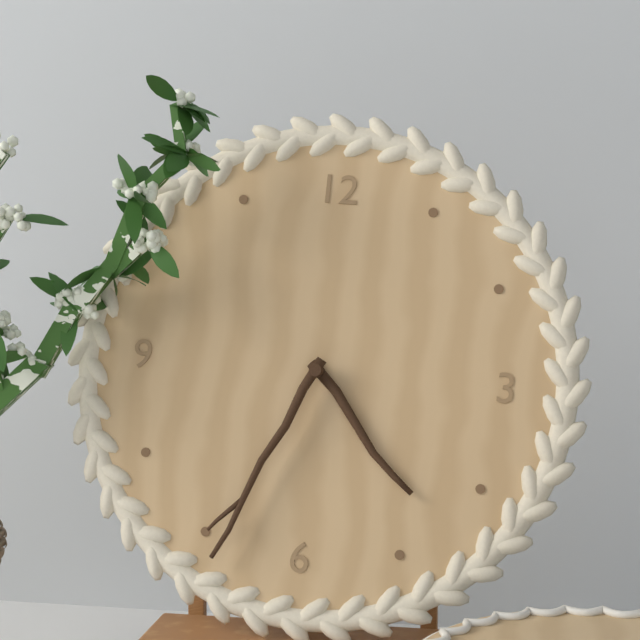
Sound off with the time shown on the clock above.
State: 4:34
